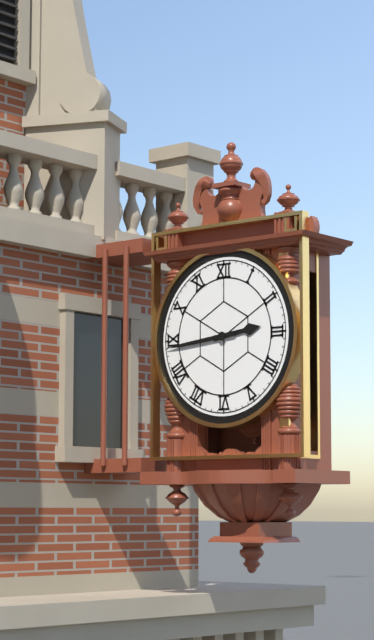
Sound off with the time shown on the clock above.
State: 2:44
